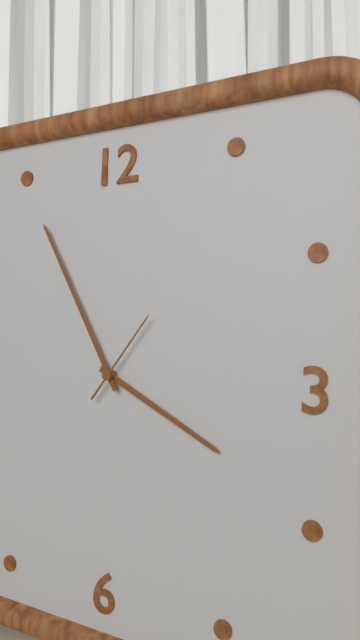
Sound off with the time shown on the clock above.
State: 3:55:06
